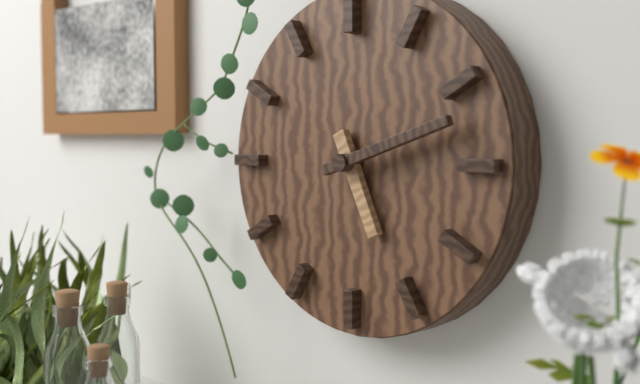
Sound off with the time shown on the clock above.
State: 5:12
